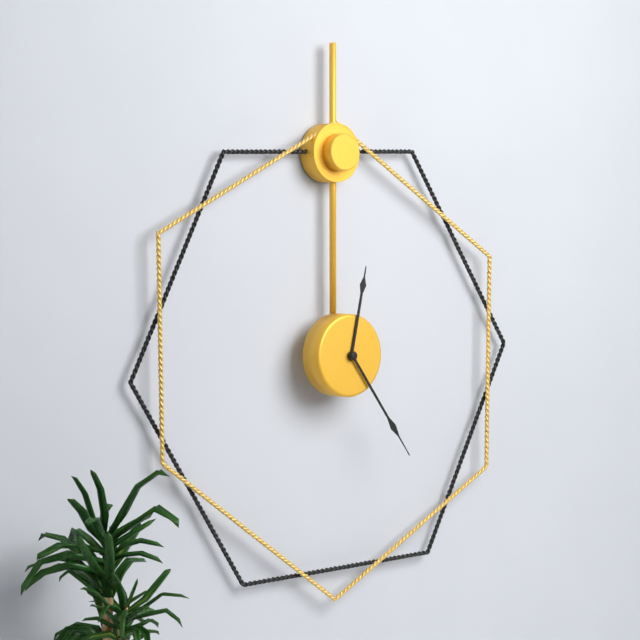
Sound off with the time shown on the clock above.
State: 12:24
